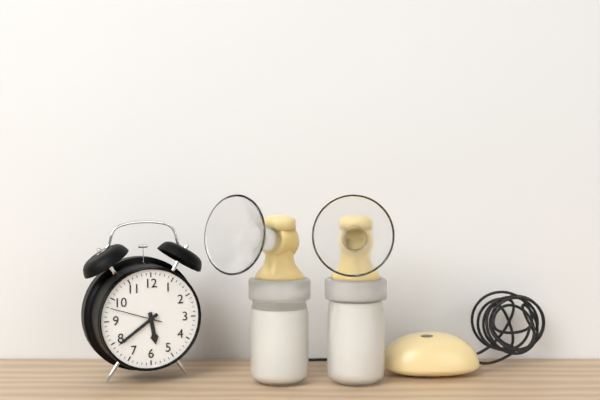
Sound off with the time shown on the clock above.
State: 5:39:48
